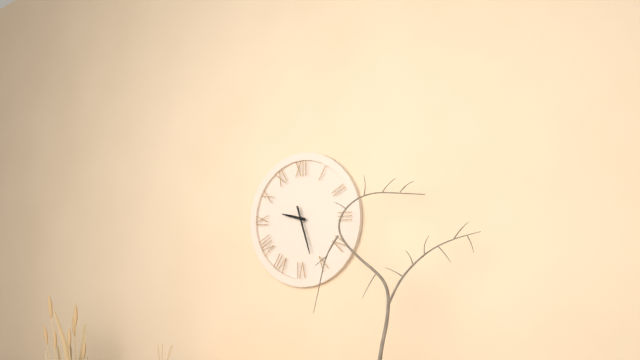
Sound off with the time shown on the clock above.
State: 9:27
